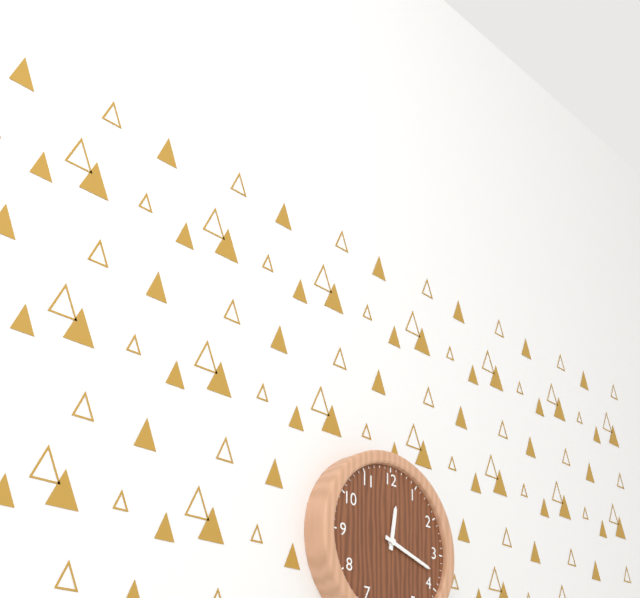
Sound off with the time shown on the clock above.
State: 12:18
